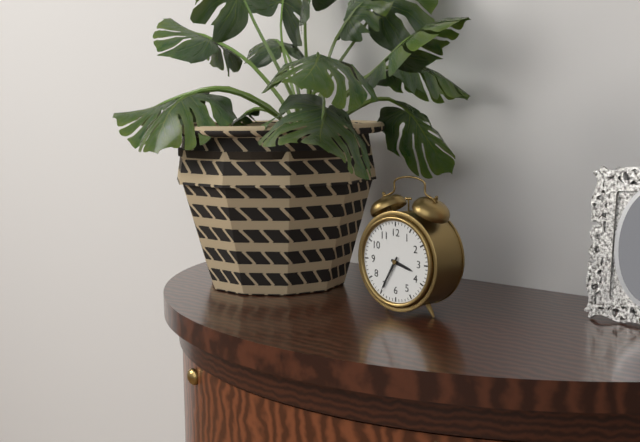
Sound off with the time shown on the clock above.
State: 3:35
